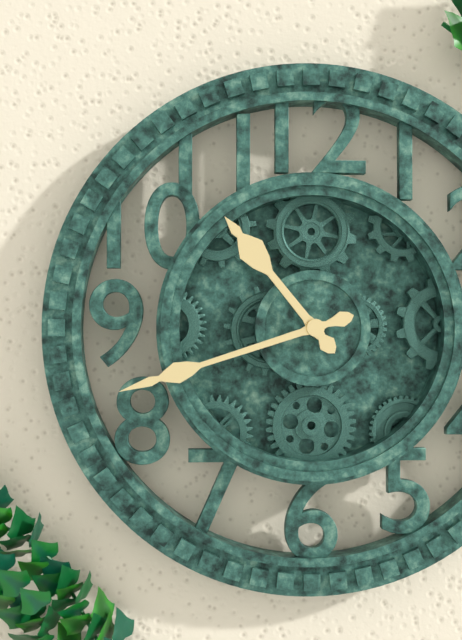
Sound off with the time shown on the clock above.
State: 10:42
